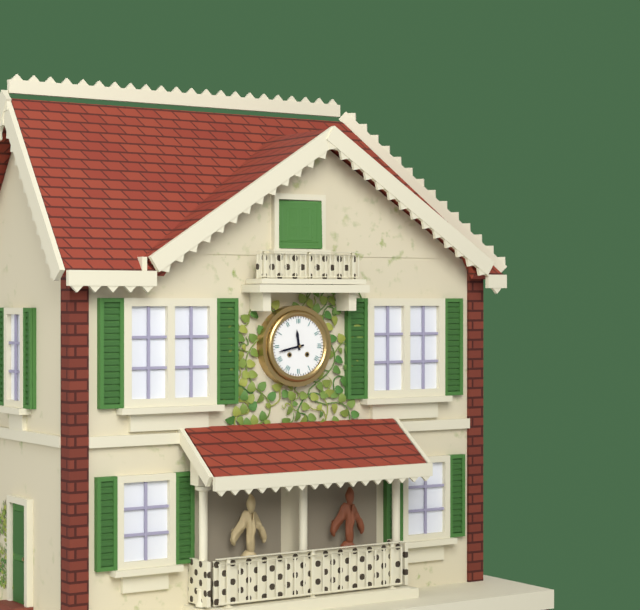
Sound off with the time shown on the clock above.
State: 11:43
